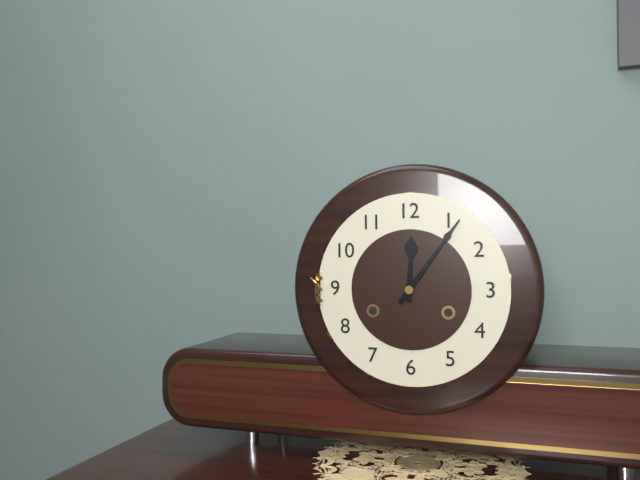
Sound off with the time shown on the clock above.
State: 12:06
